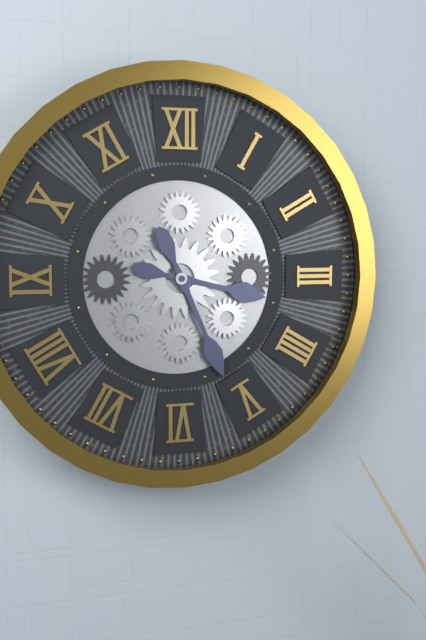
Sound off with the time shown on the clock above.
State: 3:26
